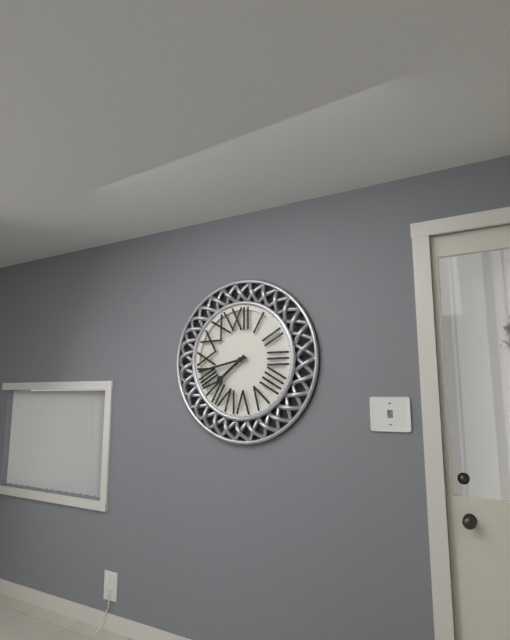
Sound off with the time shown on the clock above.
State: 7:43
